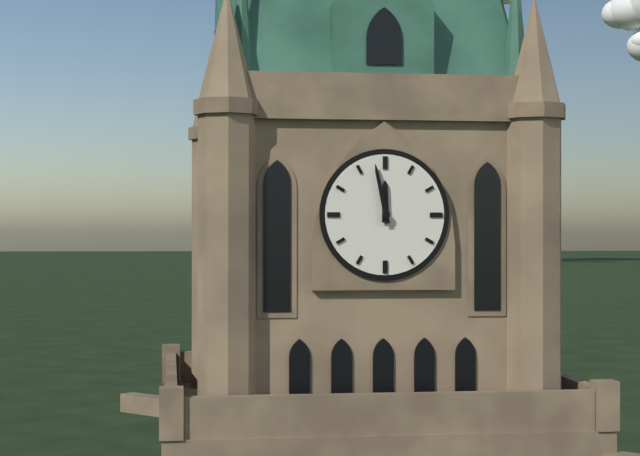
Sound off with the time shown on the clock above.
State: 11:58
